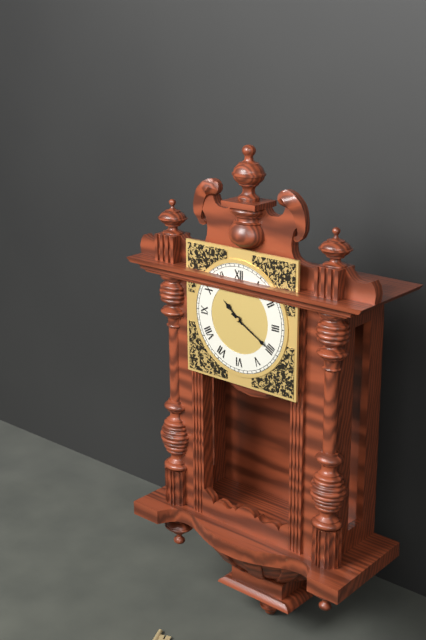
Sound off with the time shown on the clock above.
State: 10:20
